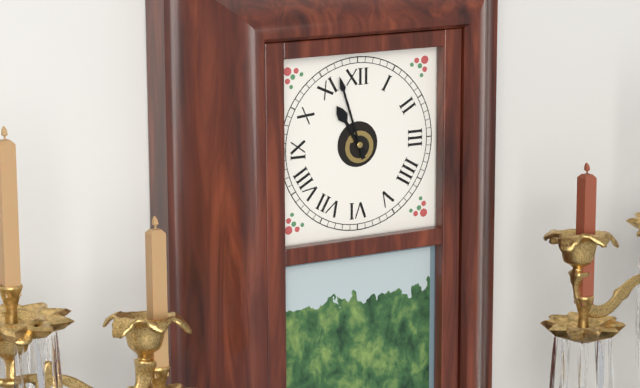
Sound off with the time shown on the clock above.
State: 10:57
